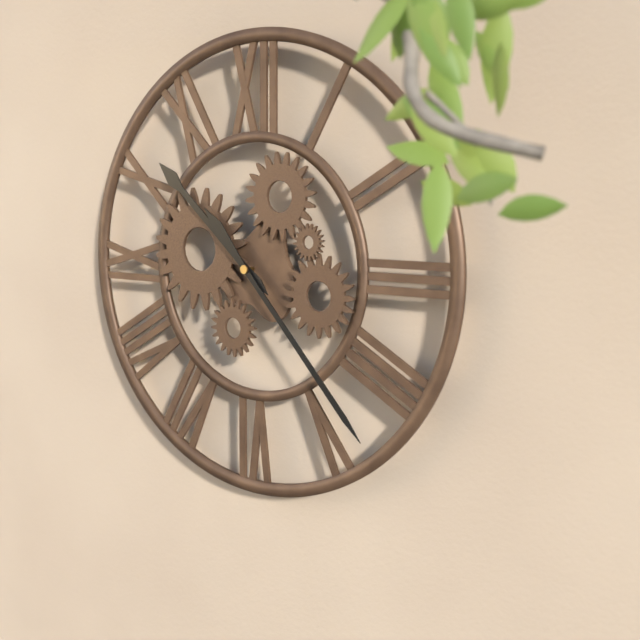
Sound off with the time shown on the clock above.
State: 10:23
